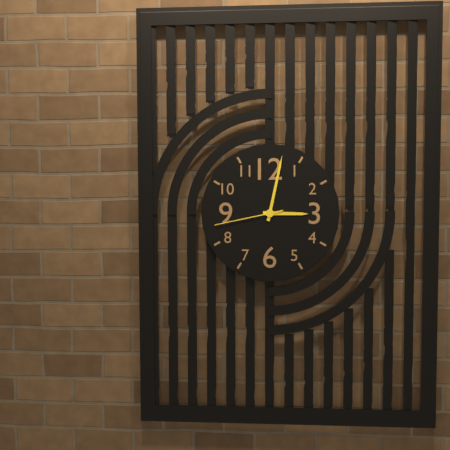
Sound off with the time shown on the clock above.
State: 3:02:43
